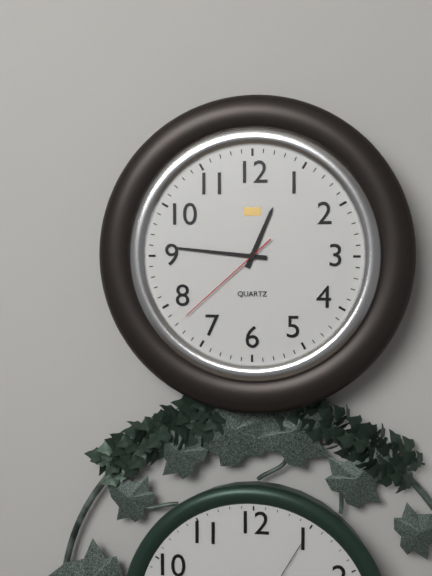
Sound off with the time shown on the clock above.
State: 12:46:38
